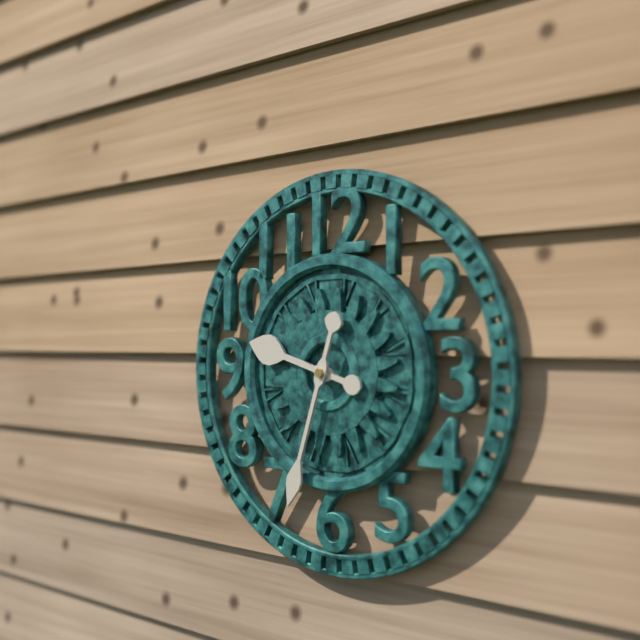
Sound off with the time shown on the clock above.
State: 9:33
